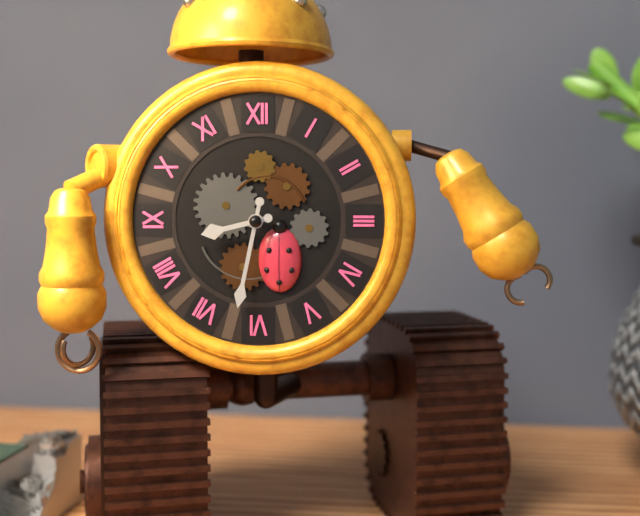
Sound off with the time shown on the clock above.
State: 8:32
